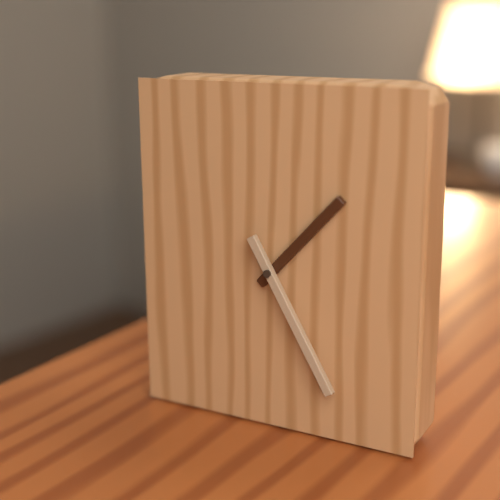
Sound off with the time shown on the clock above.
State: 1:25
